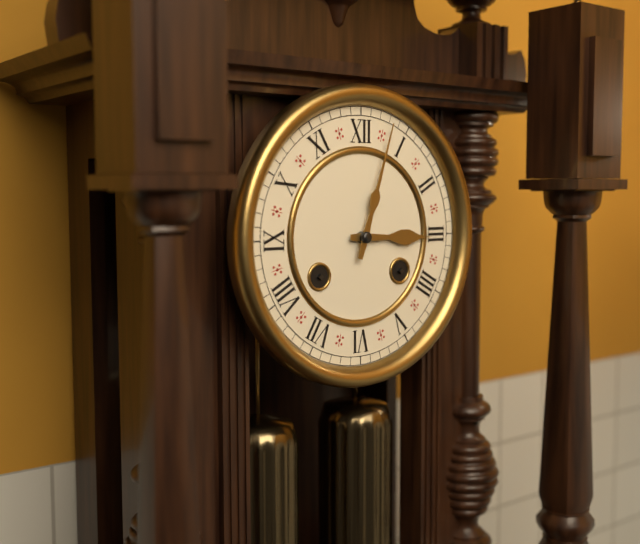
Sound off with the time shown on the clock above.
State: 3:03
